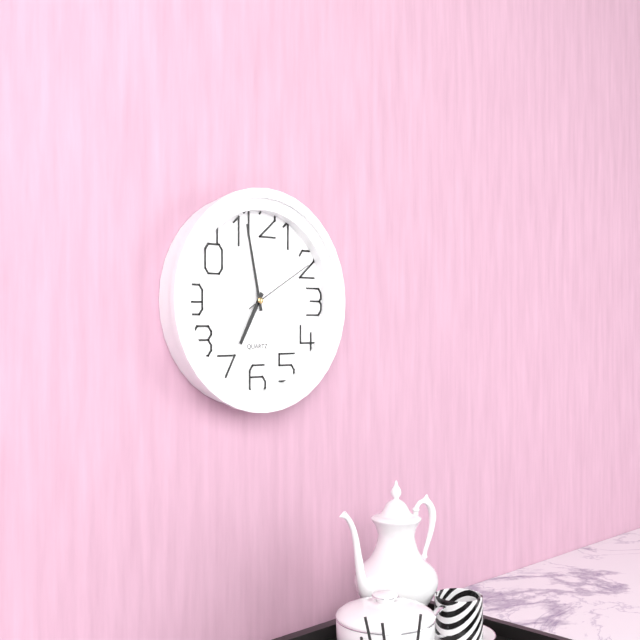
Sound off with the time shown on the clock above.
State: 6:58:10
